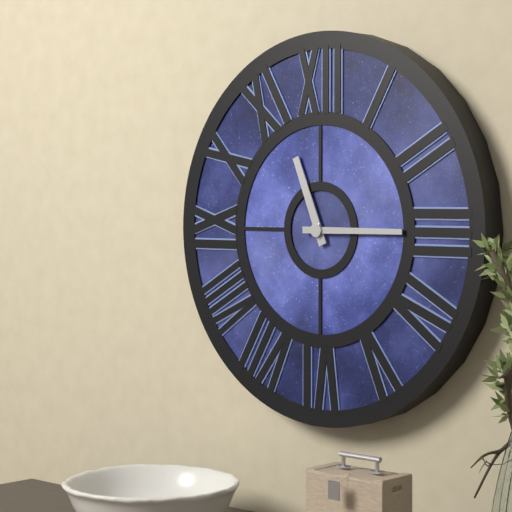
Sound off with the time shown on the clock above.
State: 11:15
